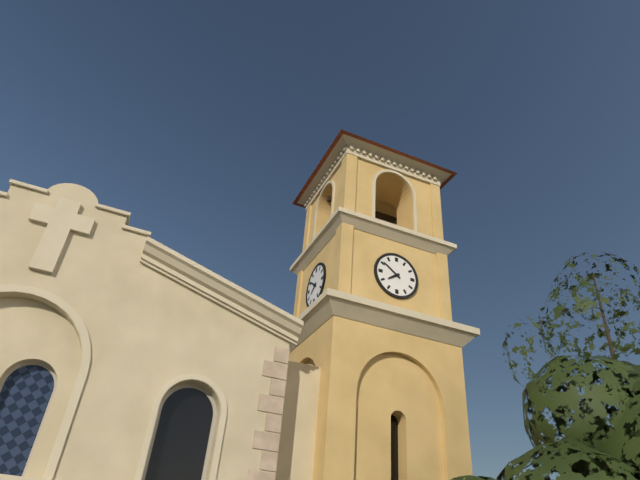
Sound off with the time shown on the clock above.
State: 7:51
